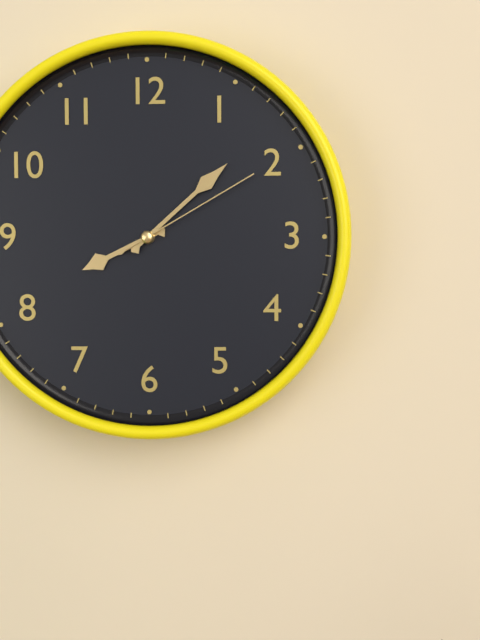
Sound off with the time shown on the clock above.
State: 8:08:10
